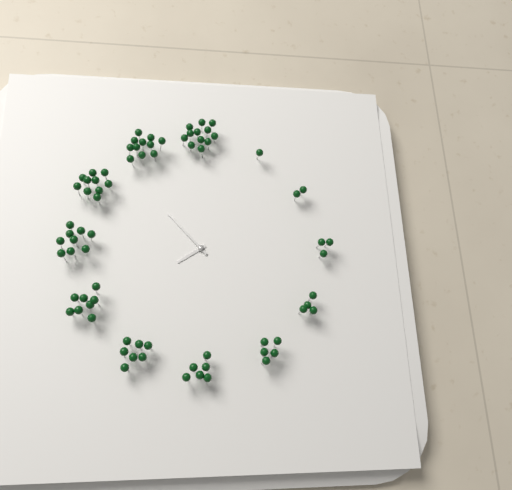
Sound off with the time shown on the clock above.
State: 7:53
